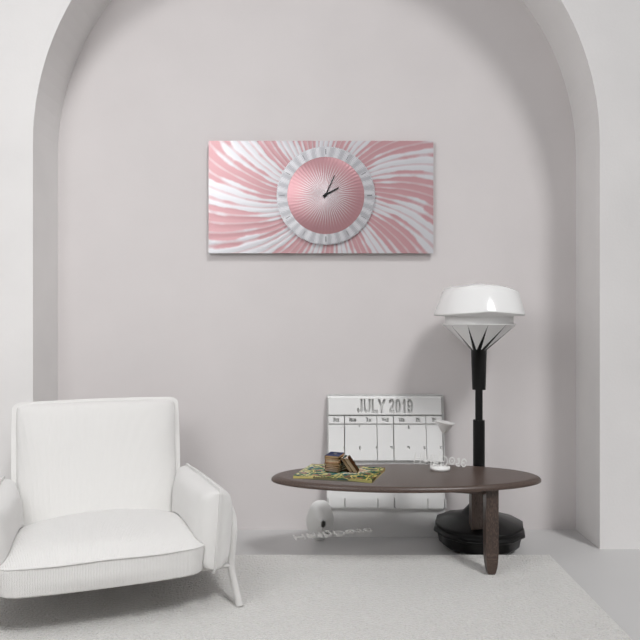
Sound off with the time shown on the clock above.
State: 2:04
